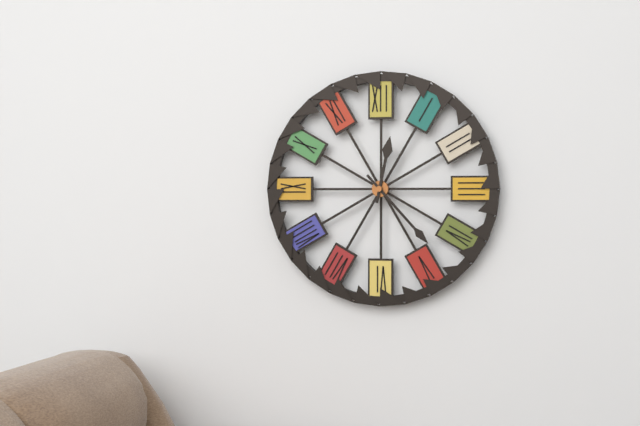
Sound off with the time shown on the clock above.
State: 12:23
